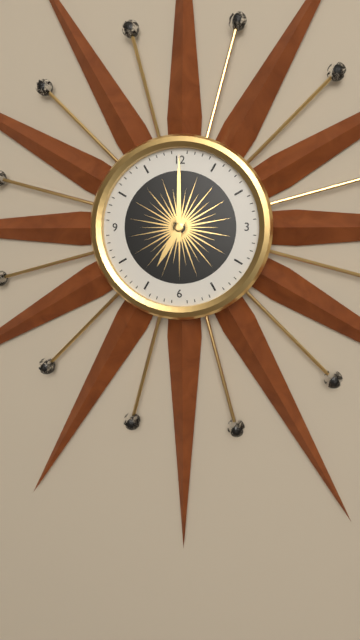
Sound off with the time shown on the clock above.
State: 7:00
